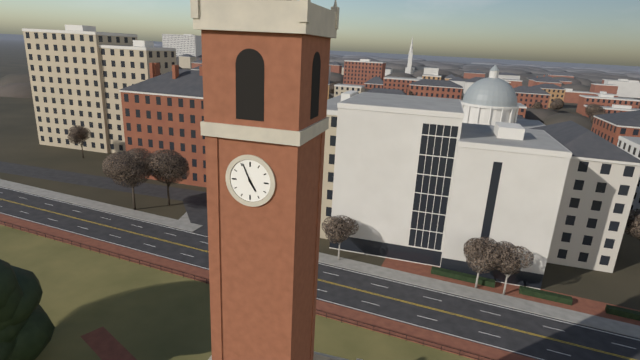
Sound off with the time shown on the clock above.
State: 4:56
